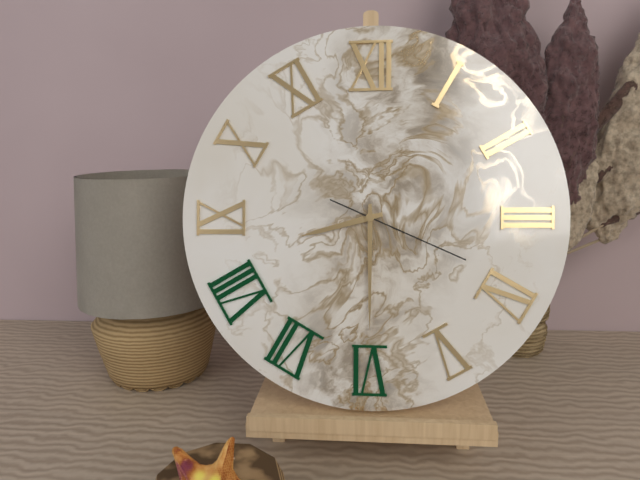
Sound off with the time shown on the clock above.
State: 8:30:19
